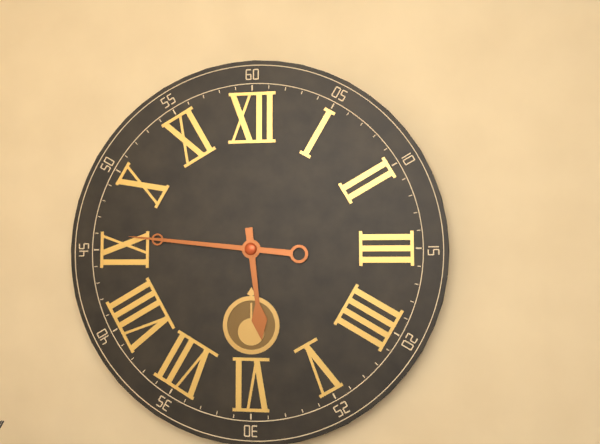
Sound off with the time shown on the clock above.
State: 5:46
